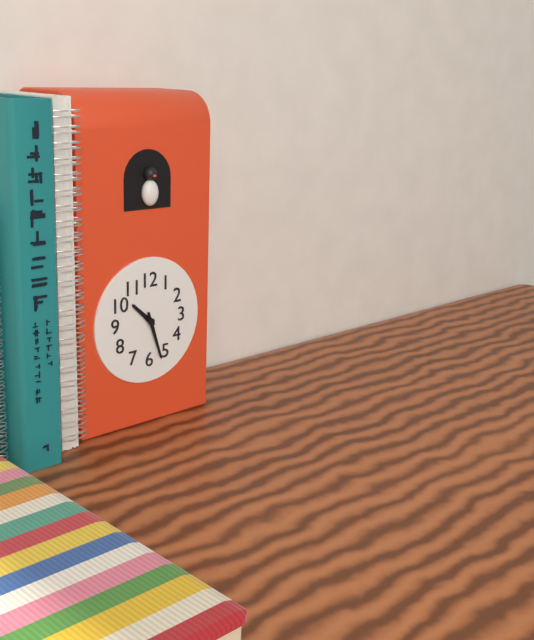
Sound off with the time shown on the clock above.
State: 10:27
